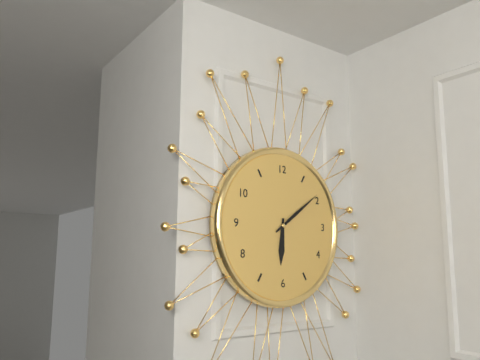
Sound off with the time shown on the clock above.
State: 6:09
